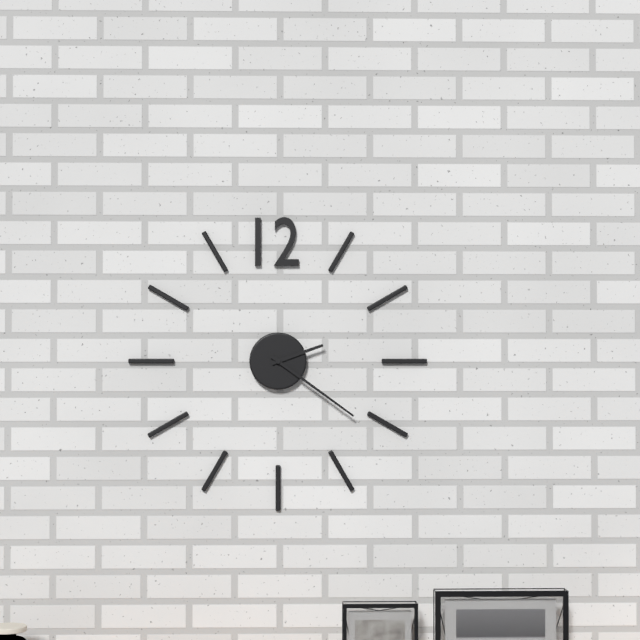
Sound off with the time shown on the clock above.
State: 2:21
